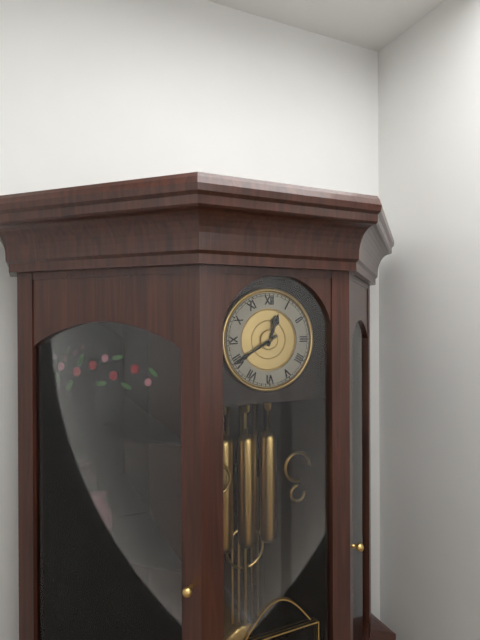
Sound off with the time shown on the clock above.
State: 12:40
